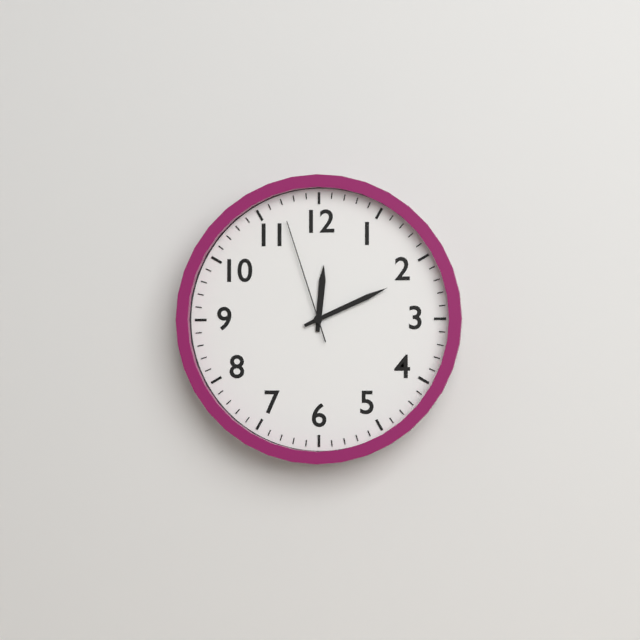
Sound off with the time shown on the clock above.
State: 12:11:57
